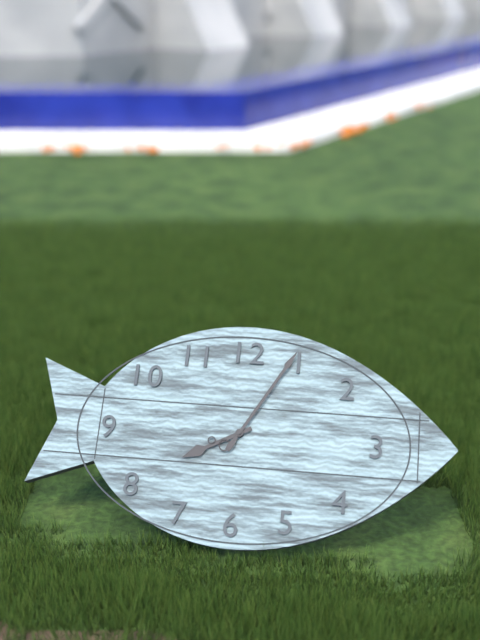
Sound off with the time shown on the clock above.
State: 8:05
